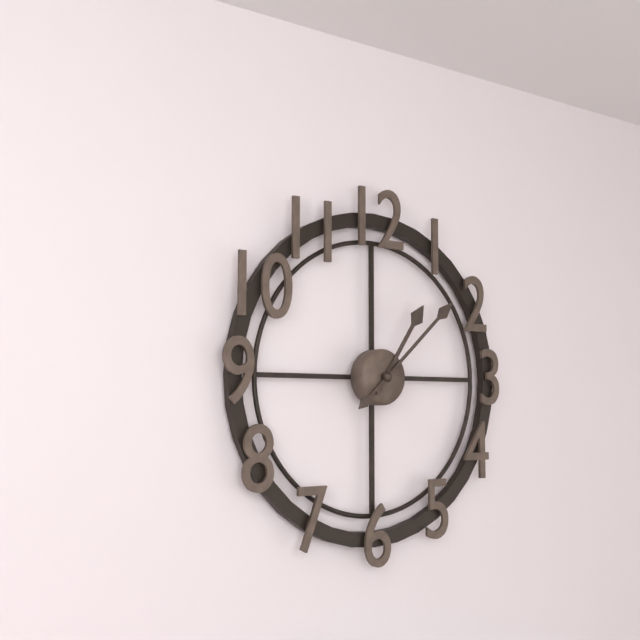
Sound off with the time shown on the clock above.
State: 1:08
